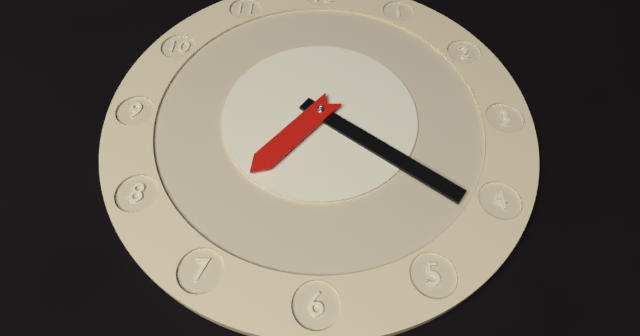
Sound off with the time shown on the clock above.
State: 7:21
